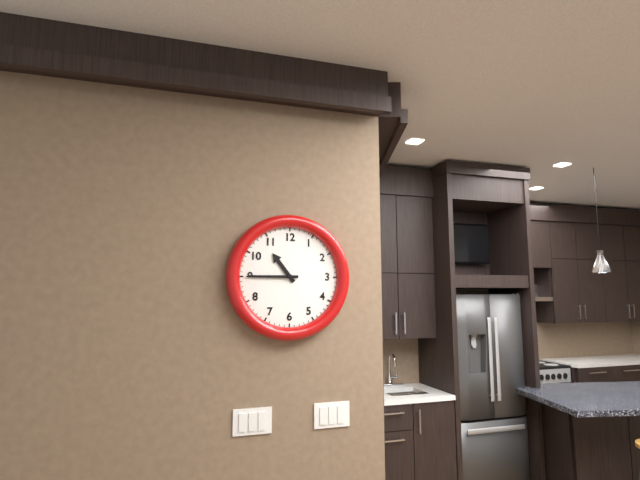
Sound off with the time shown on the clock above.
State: 10:45
